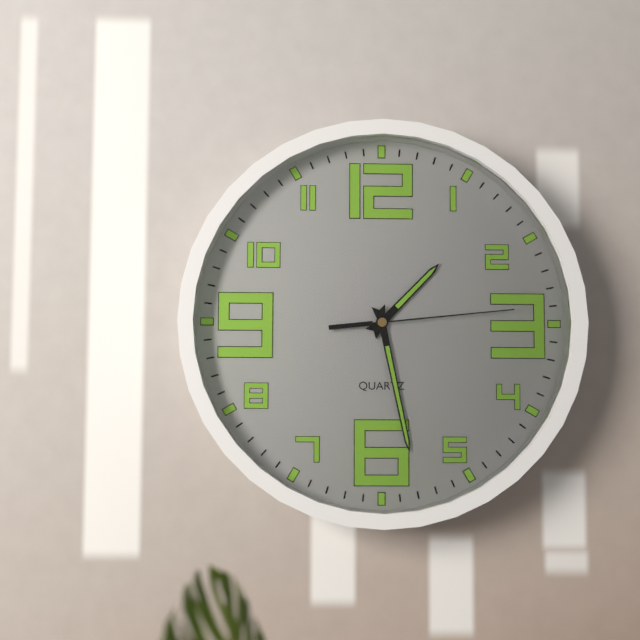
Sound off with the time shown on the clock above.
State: 1:28:14
